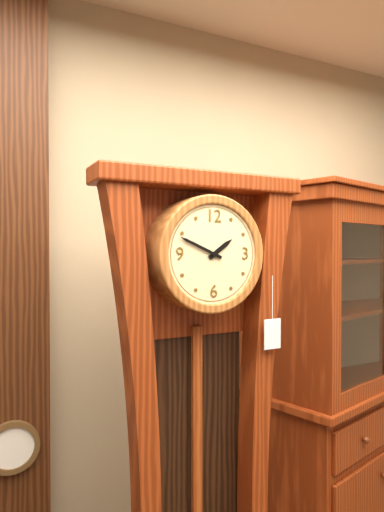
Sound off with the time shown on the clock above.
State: 1:49
